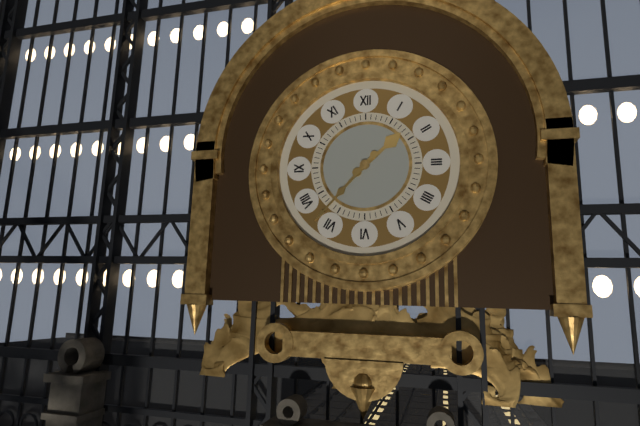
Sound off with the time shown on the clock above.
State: 1:37
